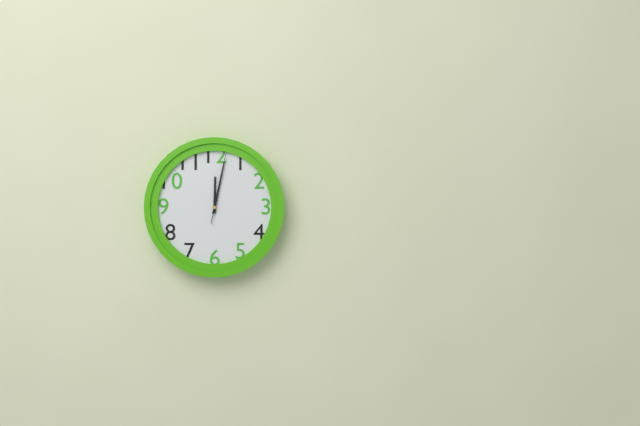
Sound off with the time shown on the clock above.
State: 12:02:02
